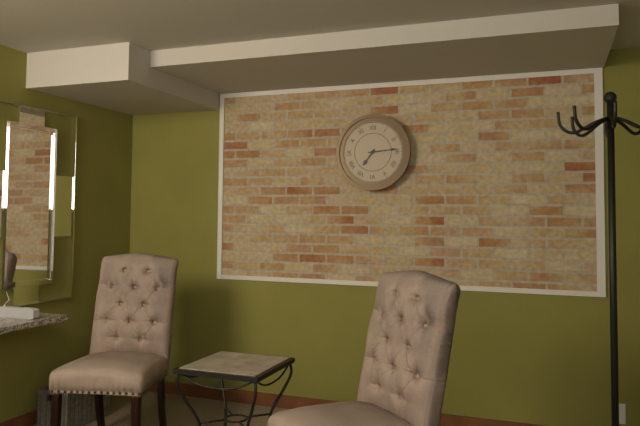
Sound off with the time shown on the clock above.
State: 7:14
